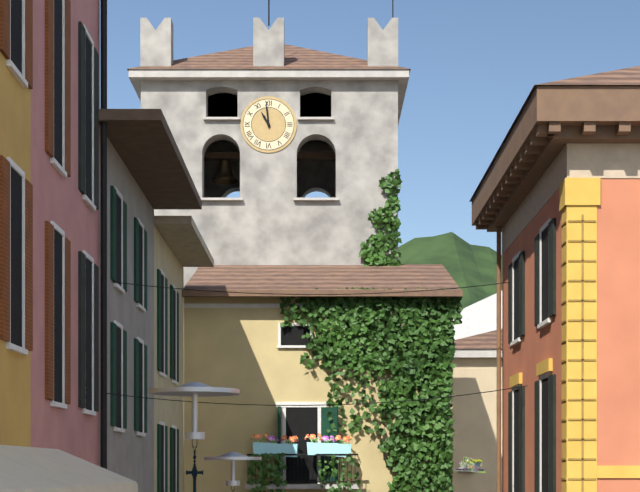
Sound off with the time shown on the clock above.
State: 10:59
